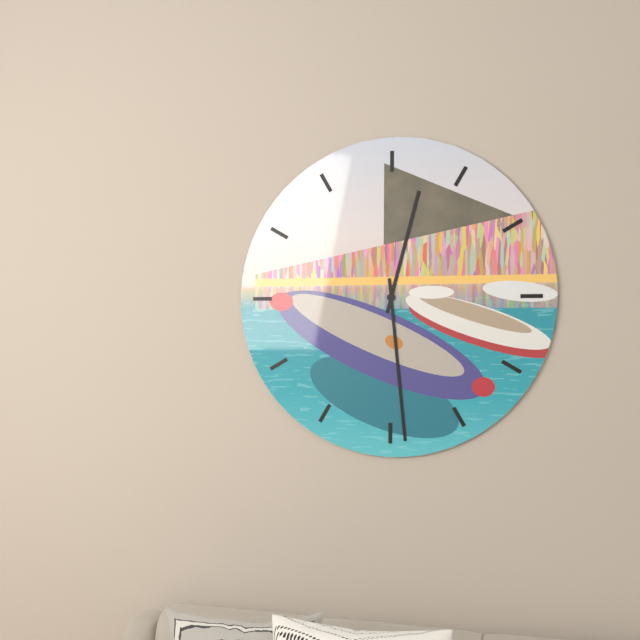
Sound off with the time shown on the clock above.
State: 12:29
